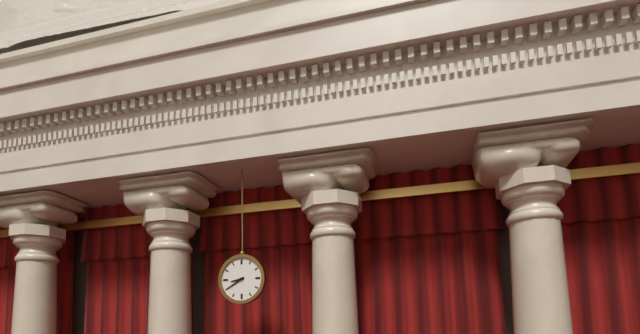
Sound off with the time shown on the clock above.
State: 8:40
